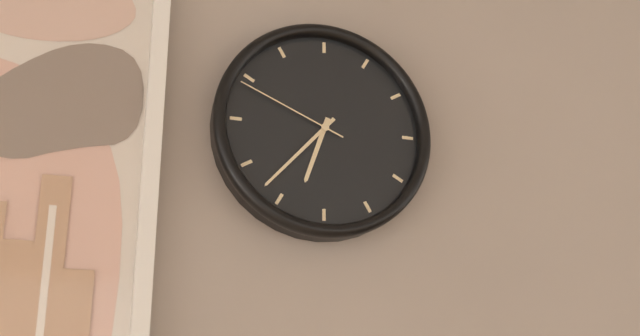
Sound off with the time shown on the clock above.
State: 6:37:49
